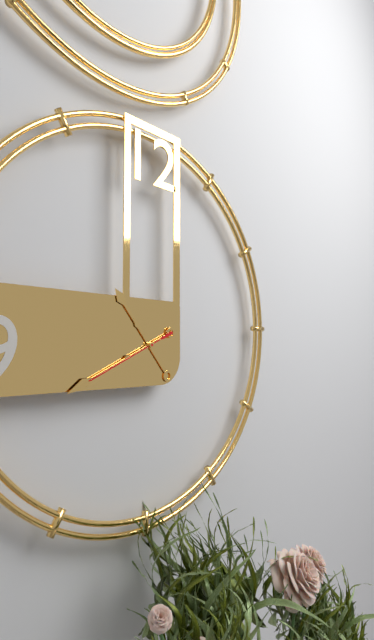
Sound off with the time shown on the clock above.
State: 10:41:41
